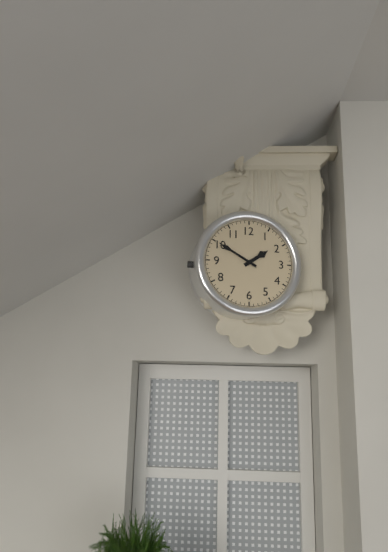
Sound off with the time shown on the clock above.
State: 1:50
